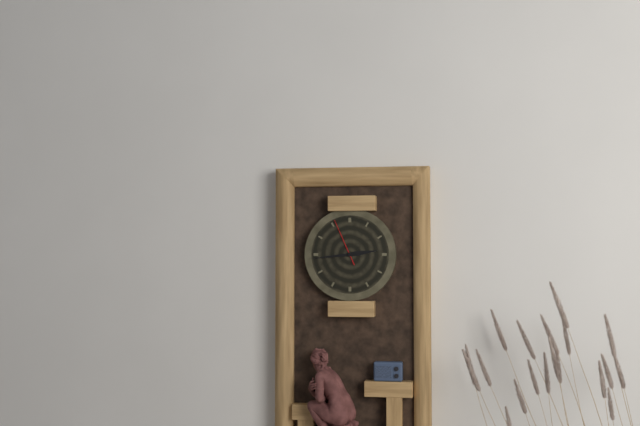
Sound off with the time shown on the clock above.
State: 2:44
